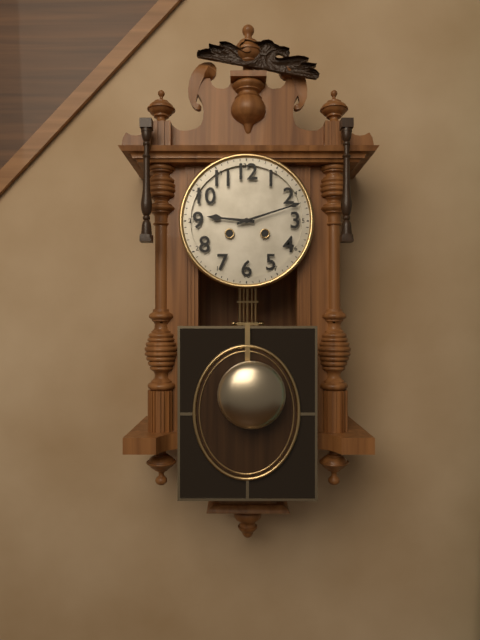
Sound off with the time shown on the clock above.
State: 9:12
